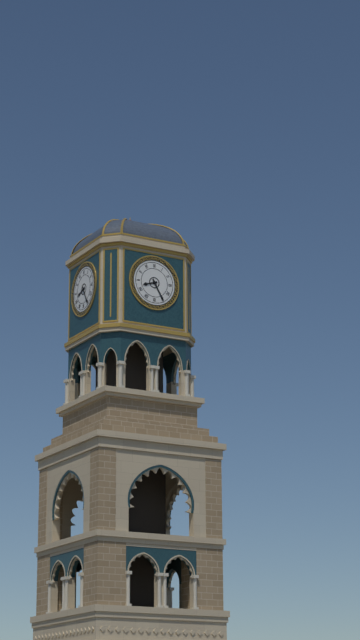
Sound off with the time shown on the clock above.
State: 8:25
